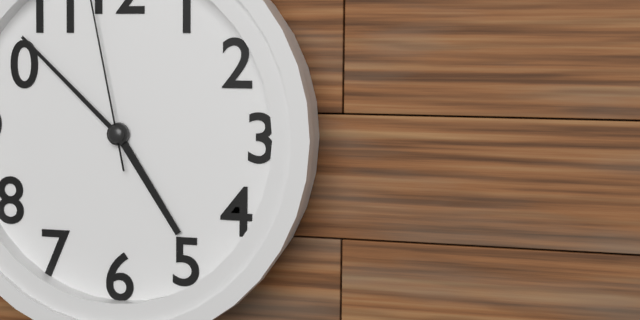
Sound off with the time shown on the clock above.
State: 4:52
